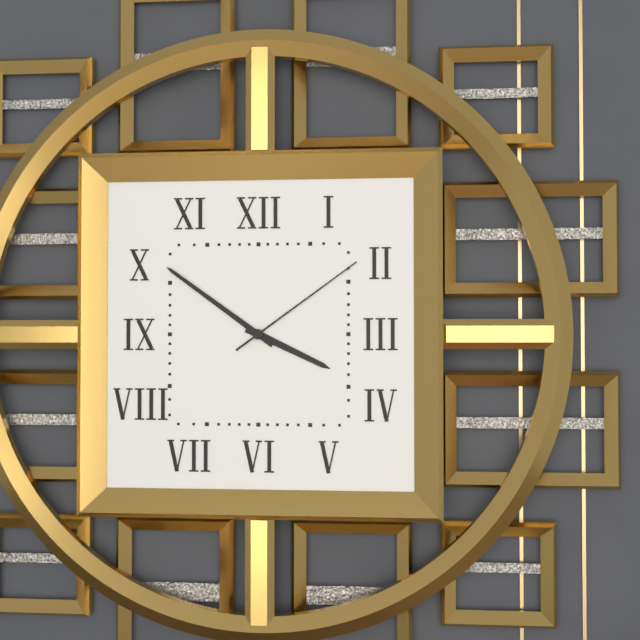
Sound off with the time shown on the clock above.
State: 3:51:09
